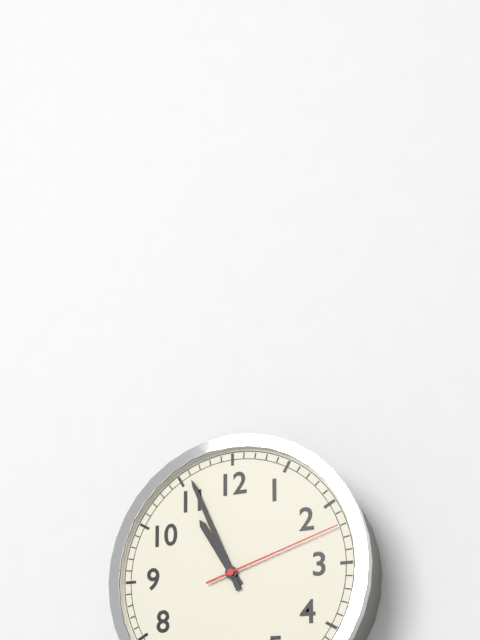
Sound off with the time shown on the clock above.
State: 10:56:12
